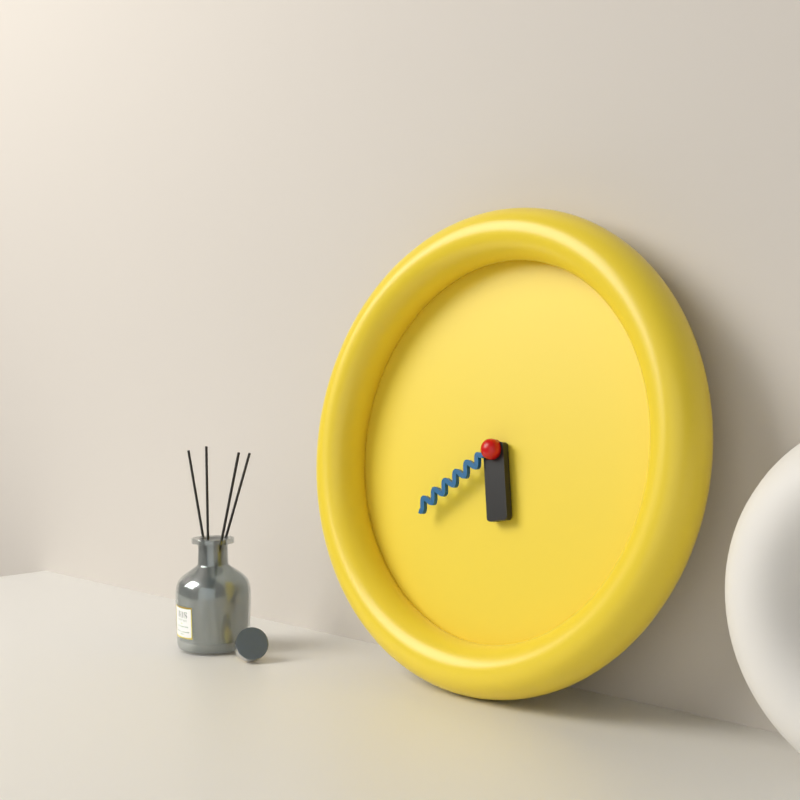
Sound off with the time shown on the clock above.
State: 5:39
